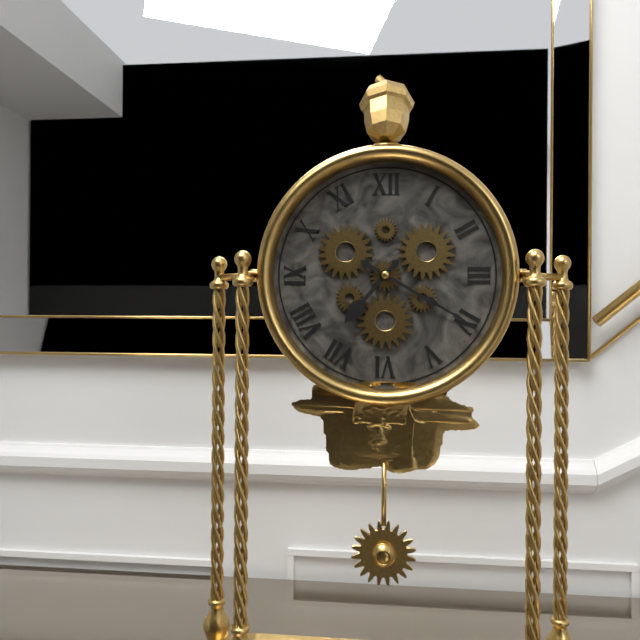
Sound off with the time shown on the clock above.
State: 7:20
